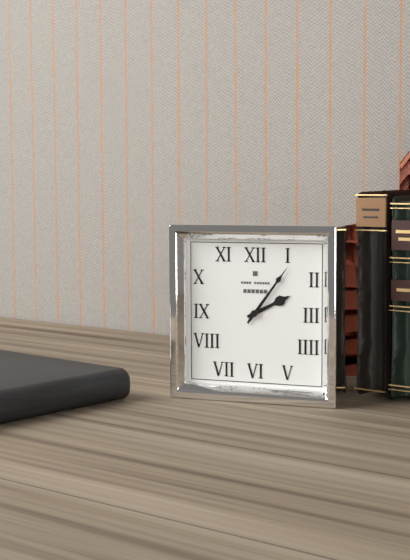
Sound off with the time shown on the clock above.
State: 2:06
